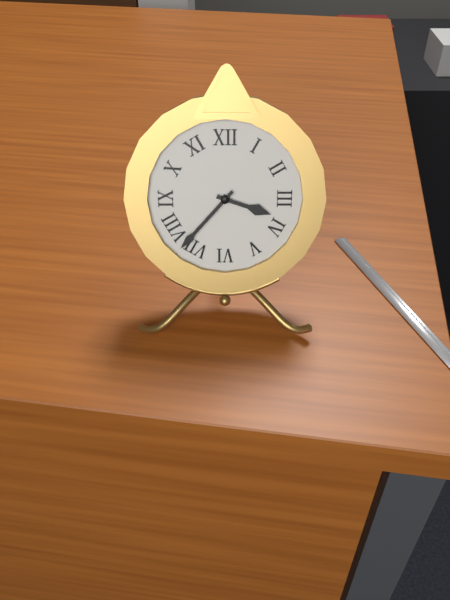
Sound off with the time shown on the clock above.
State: 3:37
